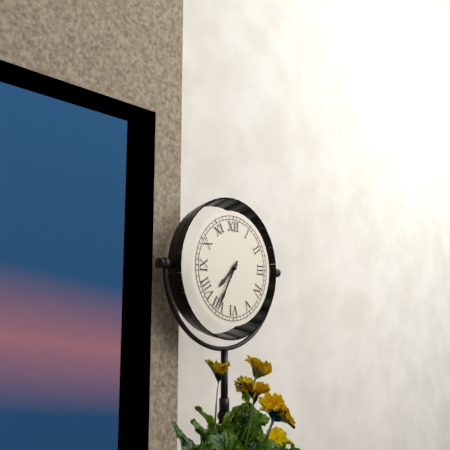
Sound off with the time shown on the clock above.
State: 7:35
